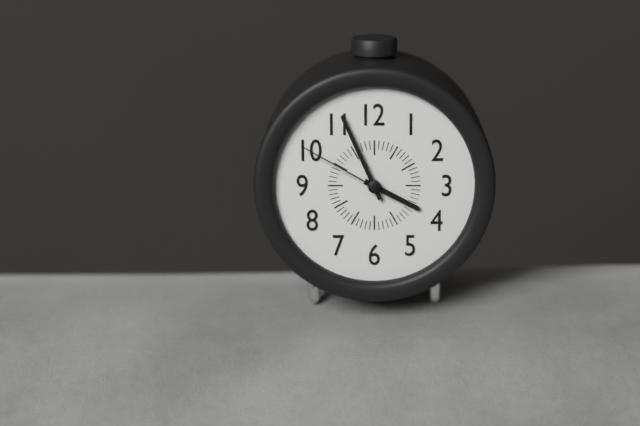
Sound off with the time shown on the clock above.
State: 3:56:50
